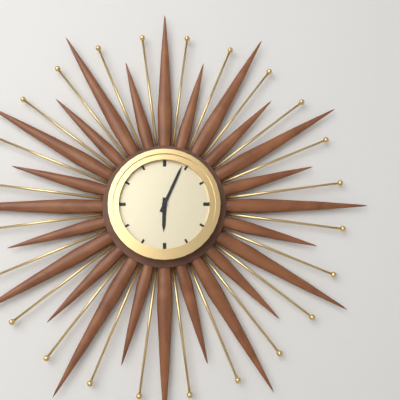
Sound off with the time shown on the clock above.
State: 6:04
